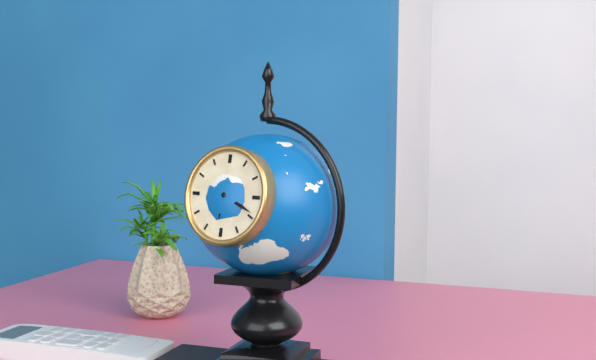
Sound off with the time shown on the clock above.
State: 6:19
